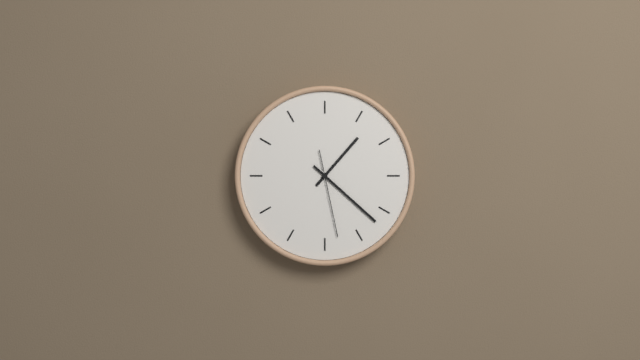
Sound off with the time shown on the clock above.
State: 1:22:28
